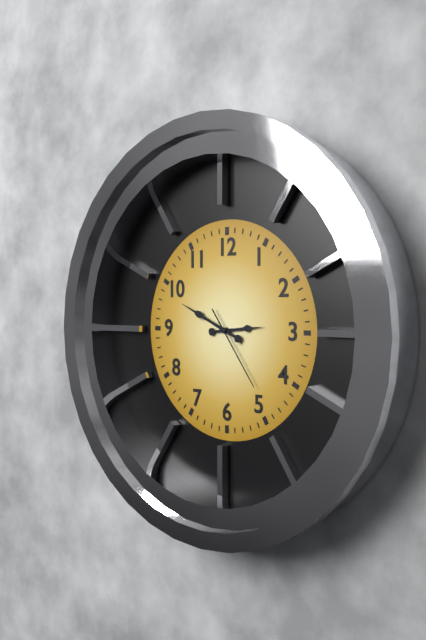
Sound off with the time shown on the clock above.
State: 2:49:24
